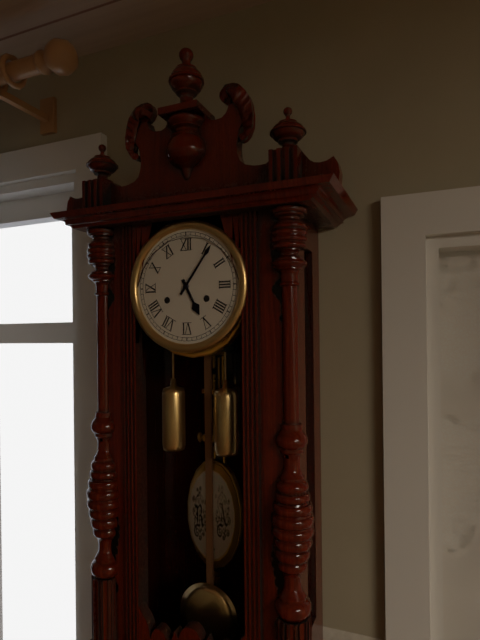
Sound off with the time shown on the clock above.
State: 5:06
